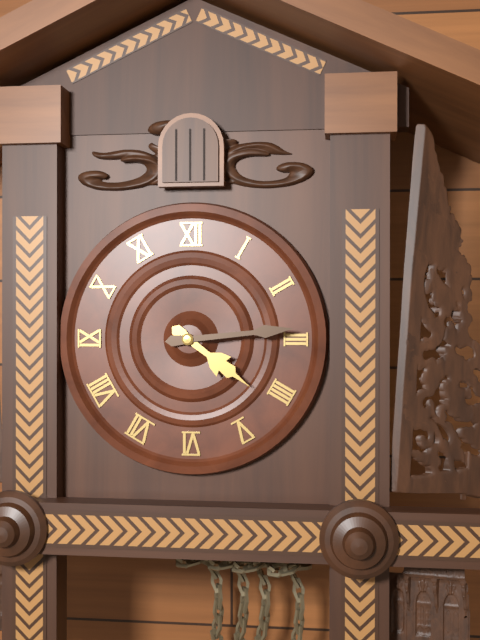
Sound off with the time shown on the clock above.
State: 4:14
